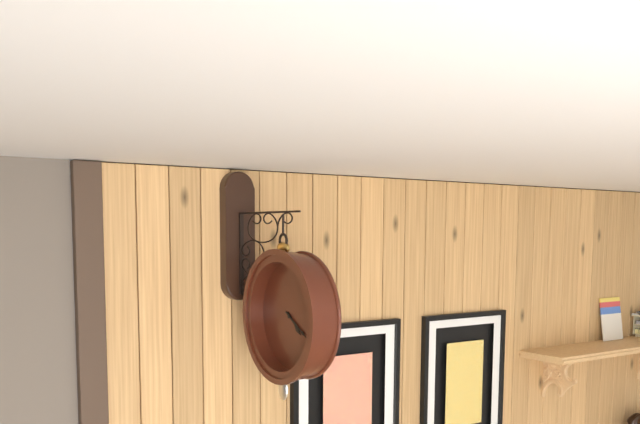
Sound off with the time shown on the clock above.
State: 4:20
